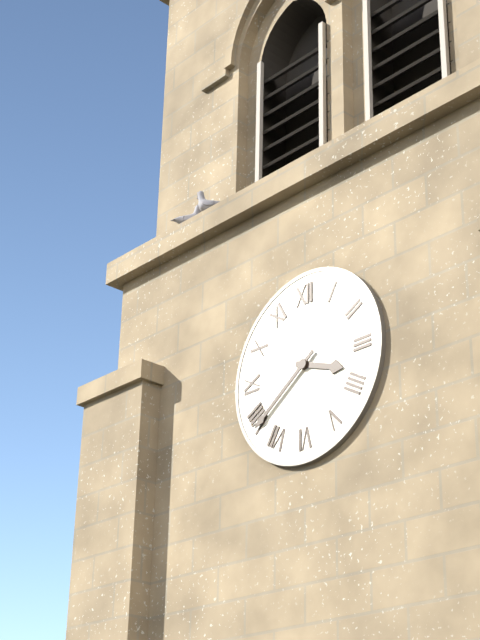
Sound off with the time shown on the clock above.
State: 3:39
